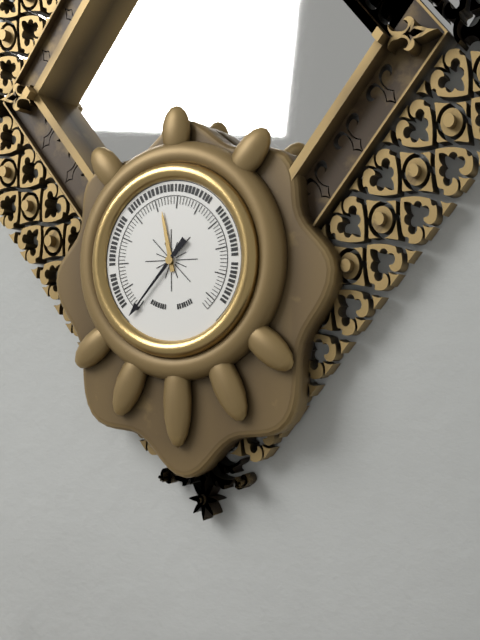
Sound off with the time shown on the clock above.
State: 11:37
